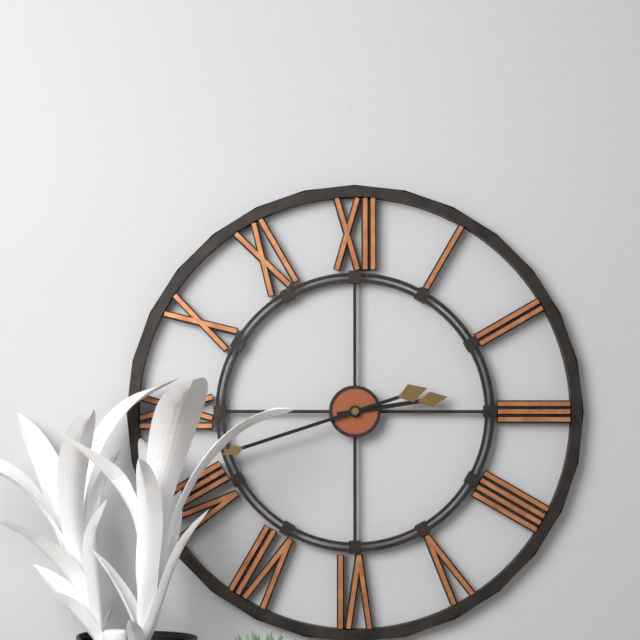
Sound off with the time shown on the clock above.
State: 2:42
